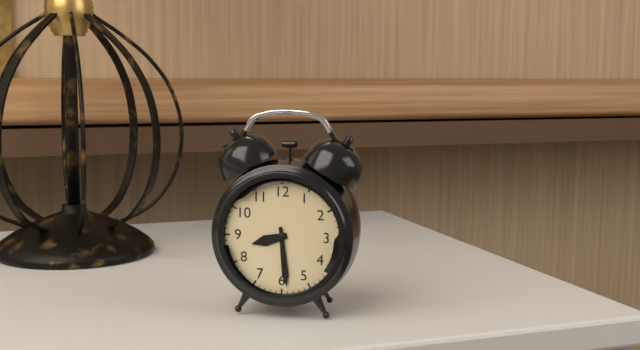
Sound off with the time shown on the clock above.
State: 8:29
